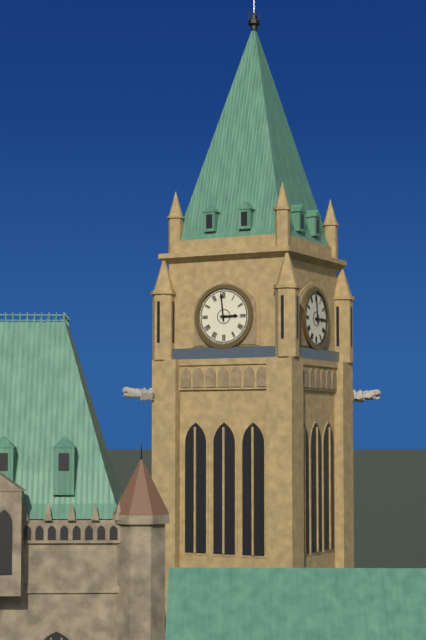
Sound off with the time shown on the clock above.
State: 2:59
